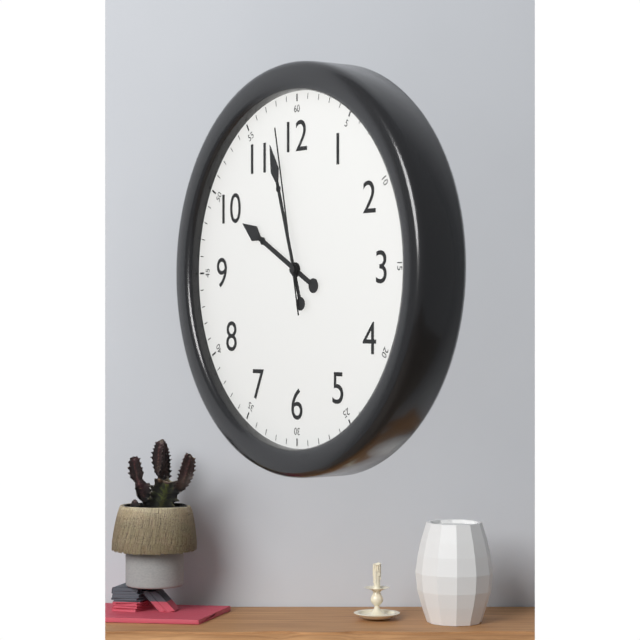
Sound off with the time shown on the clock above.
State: 9:57:58
